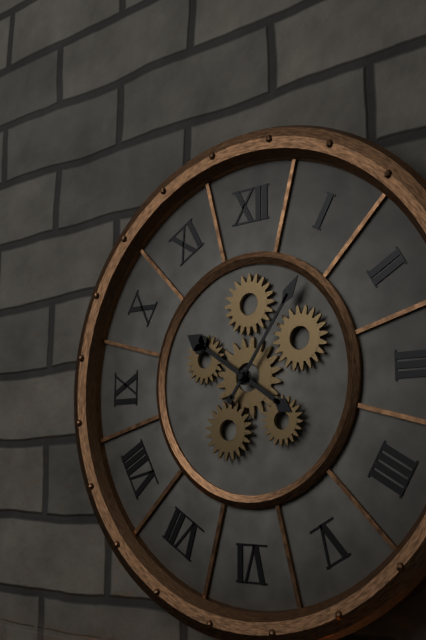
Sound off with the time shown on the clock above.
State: 10:06
